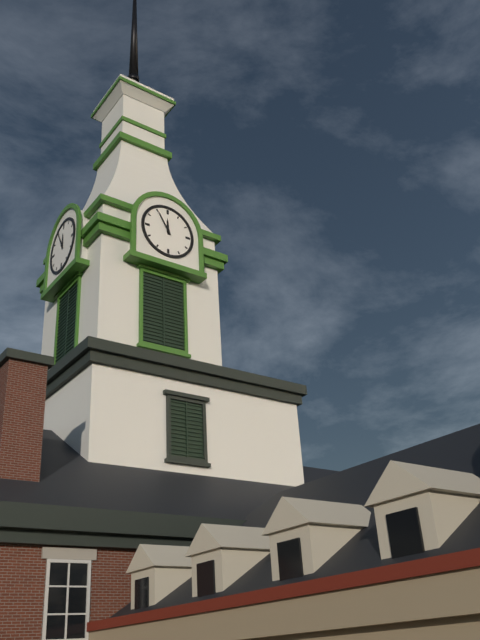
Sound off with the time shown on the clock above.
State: 11:55
